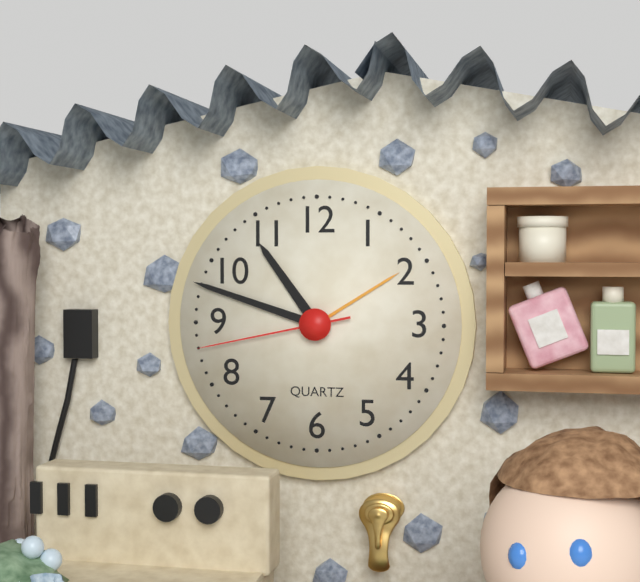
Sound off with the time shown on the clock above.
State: 10:48:43
